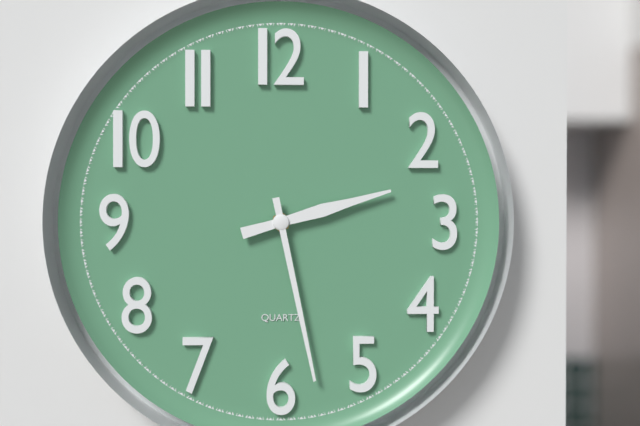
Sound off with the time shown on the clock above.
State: 2:28
